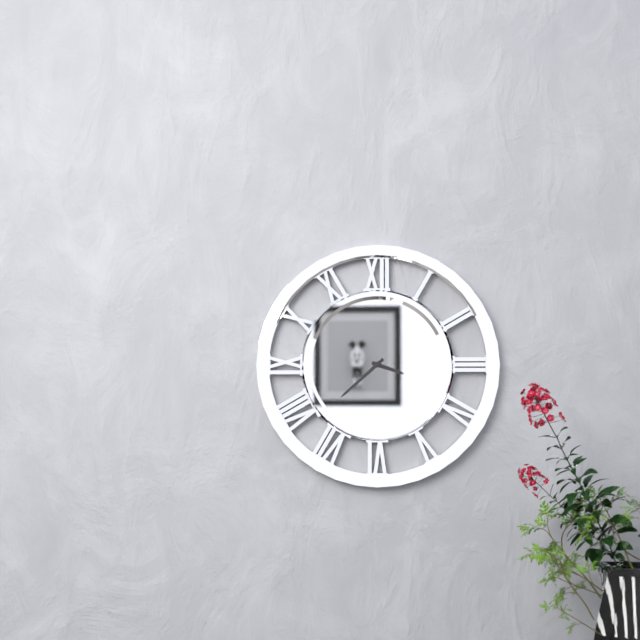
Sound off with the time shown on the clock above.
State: 3:38
